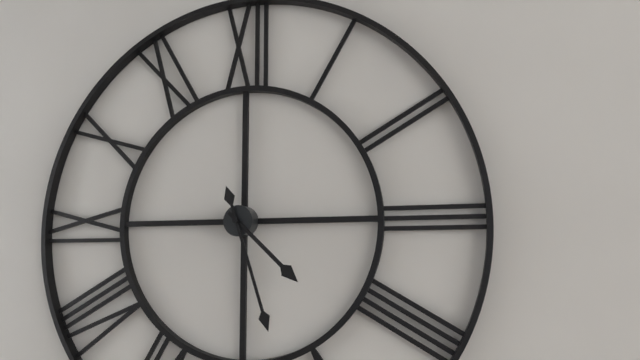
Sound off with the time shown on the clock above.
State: 4:27
